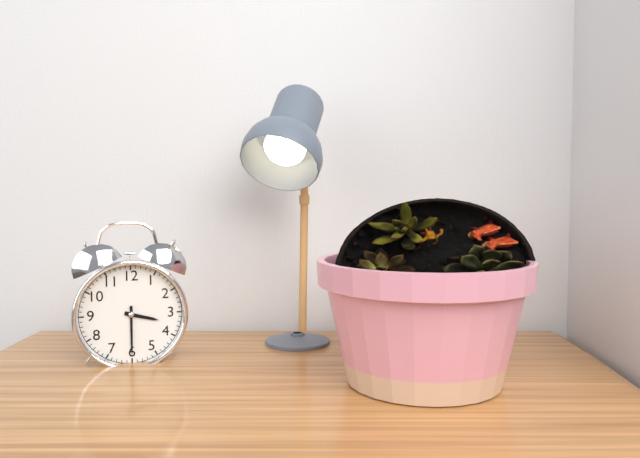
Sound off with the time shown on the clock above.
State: 3:30
